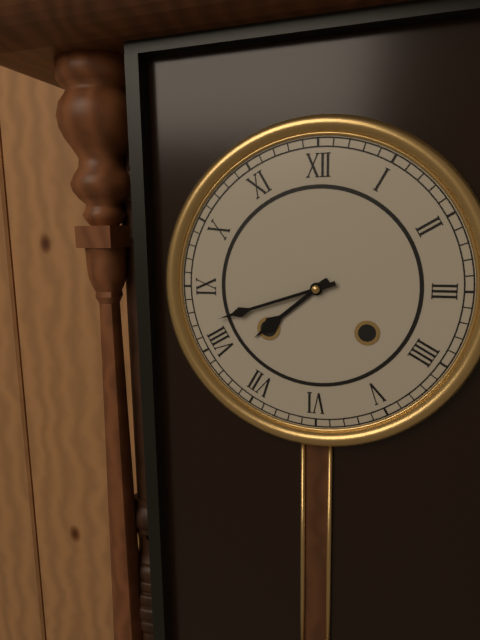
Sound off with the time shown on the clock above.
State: 7:42
